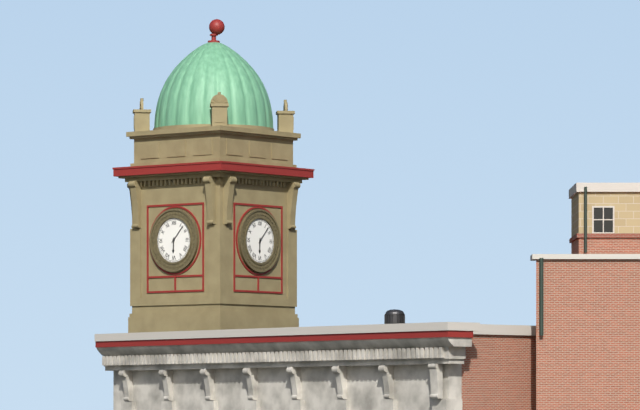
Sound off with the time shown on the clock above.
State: 6:07
